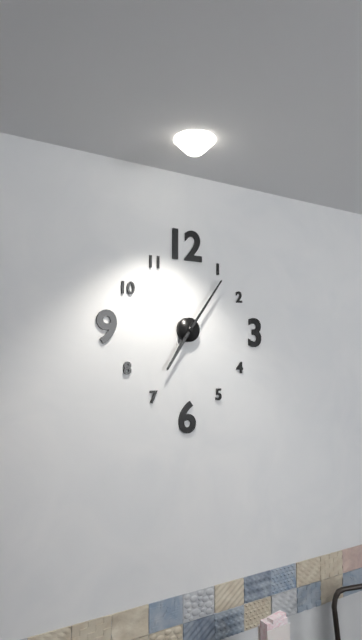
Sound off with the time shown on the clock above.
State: 7:06
